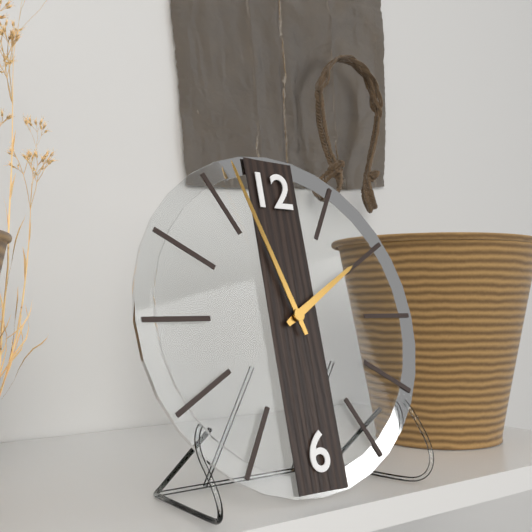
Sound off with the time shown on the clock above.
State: 1:57
